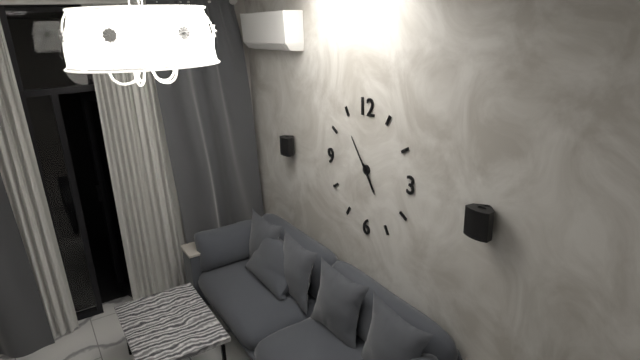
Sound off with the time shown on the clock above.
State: 4:54
